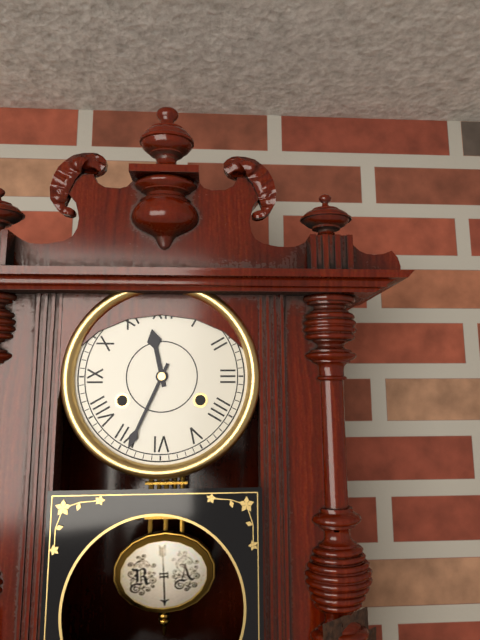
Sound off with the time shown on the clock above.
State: 11:34
